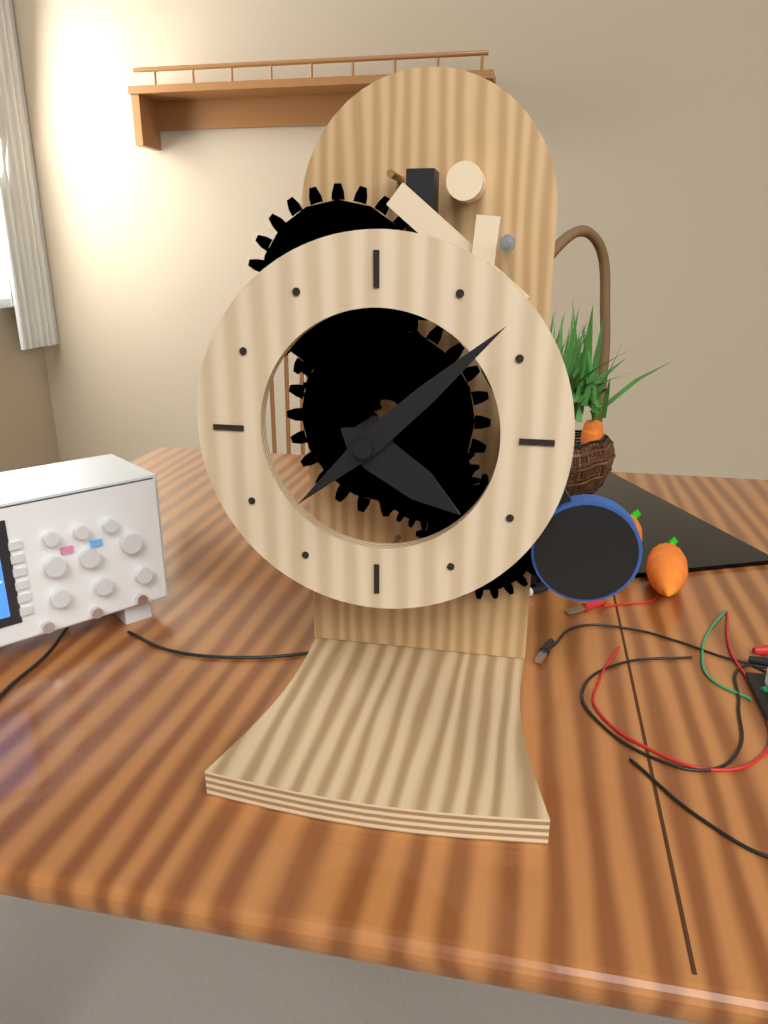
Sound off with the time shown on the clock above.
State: 4:08
